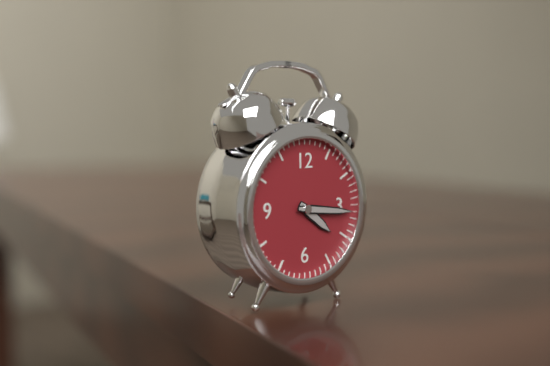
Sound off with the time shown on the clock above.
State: 4:16
